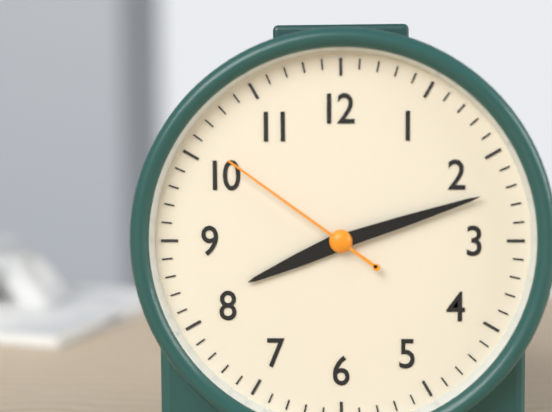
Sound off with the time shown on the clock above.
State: 8:12:51
